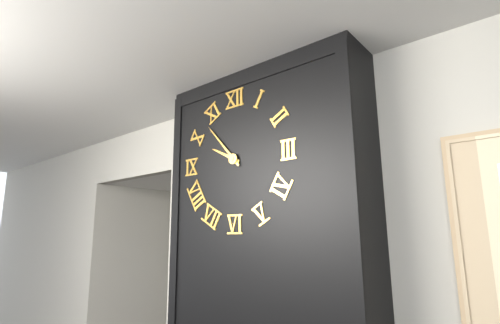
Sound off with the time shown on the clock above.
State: 9:53
